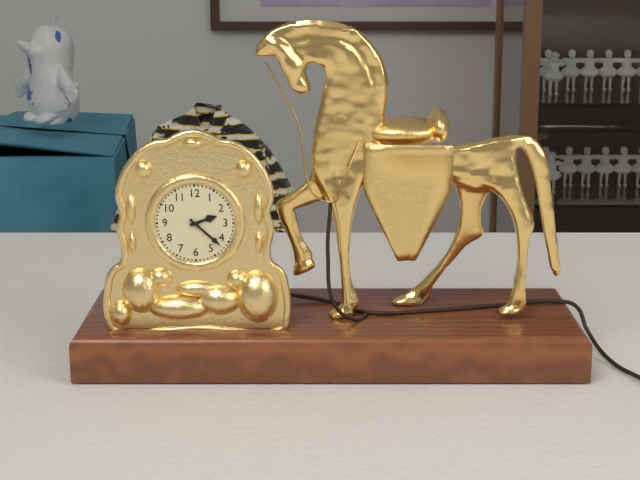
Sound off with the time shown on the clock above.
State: 2:22
